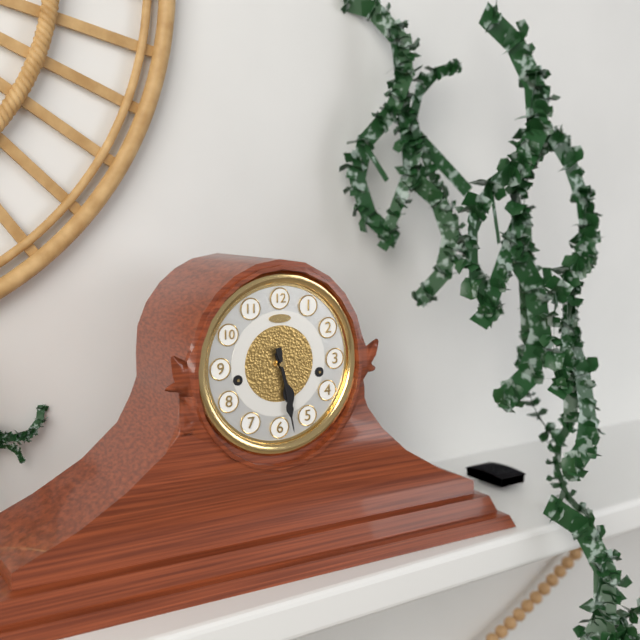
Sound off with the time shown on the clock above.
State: 5:28
